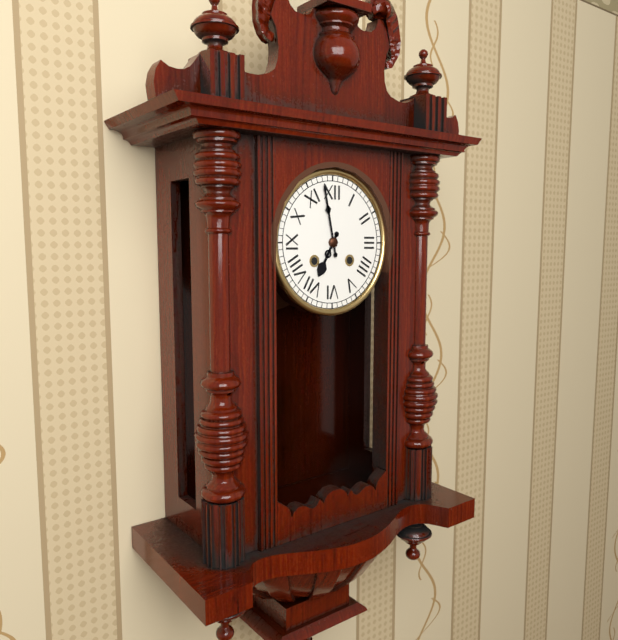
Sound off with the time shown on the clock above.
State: 6:58
